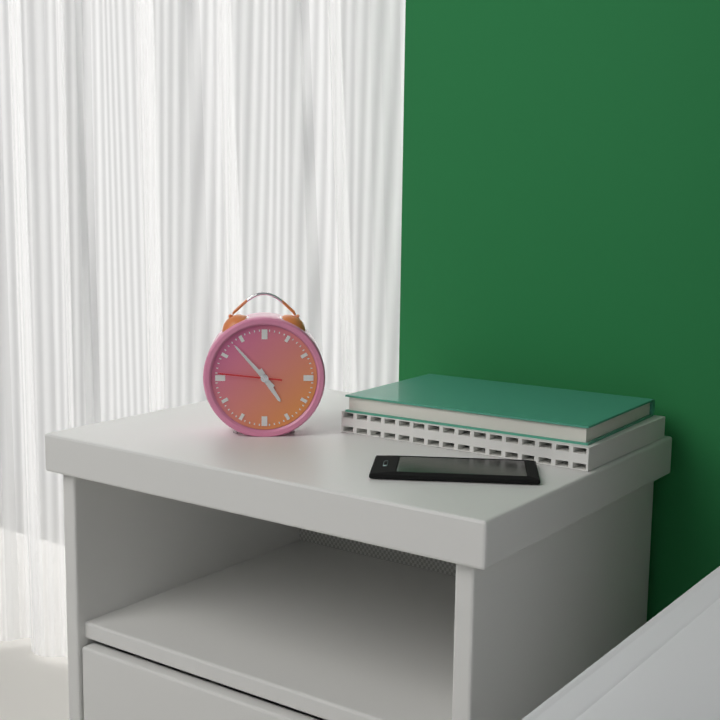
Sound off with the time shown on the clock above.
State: 4:53:46
